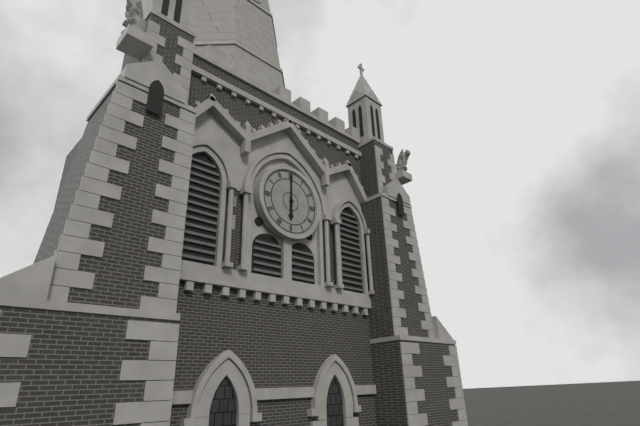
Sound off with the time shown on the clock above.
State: 6:00
